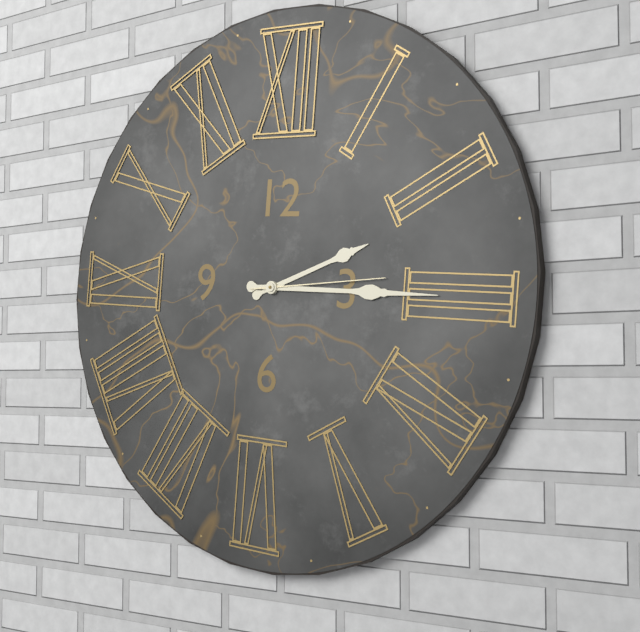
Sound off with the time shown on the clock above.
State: 2:15:14
